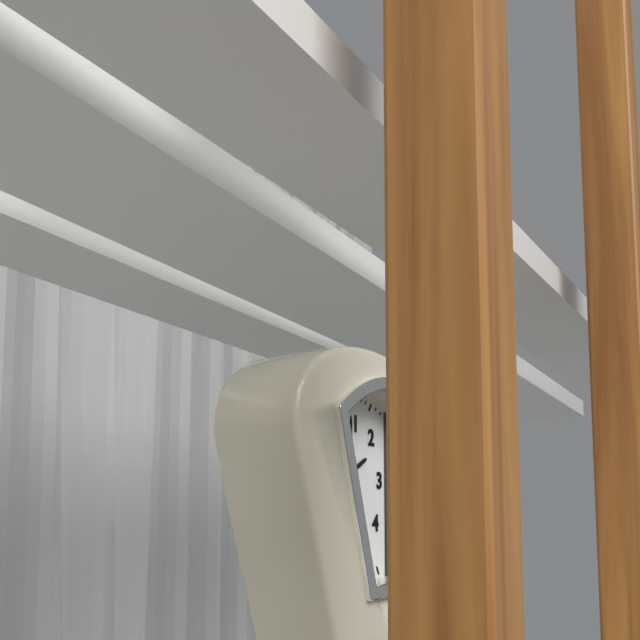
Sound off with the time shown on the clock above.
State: 2:00
